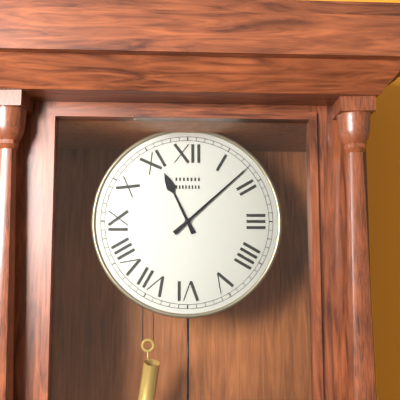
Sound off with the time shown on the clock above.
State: 11:08
